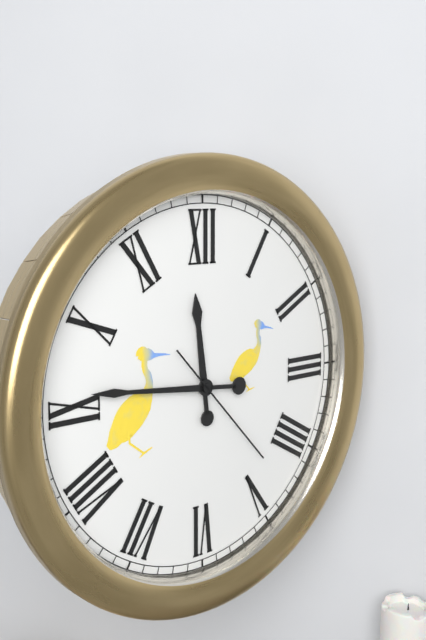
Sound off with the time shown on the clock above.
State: 11:46:23
